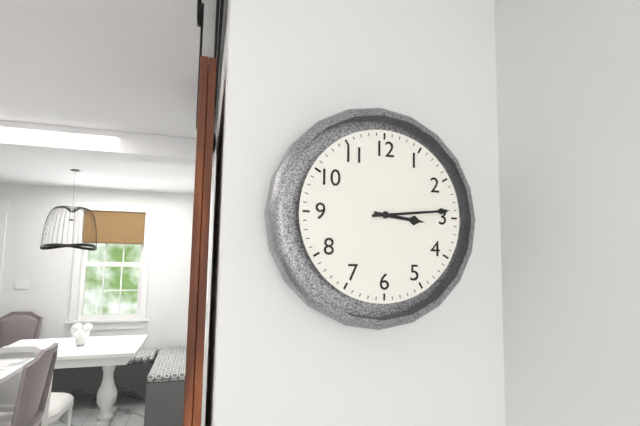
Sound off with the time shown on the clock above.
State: 3:14
